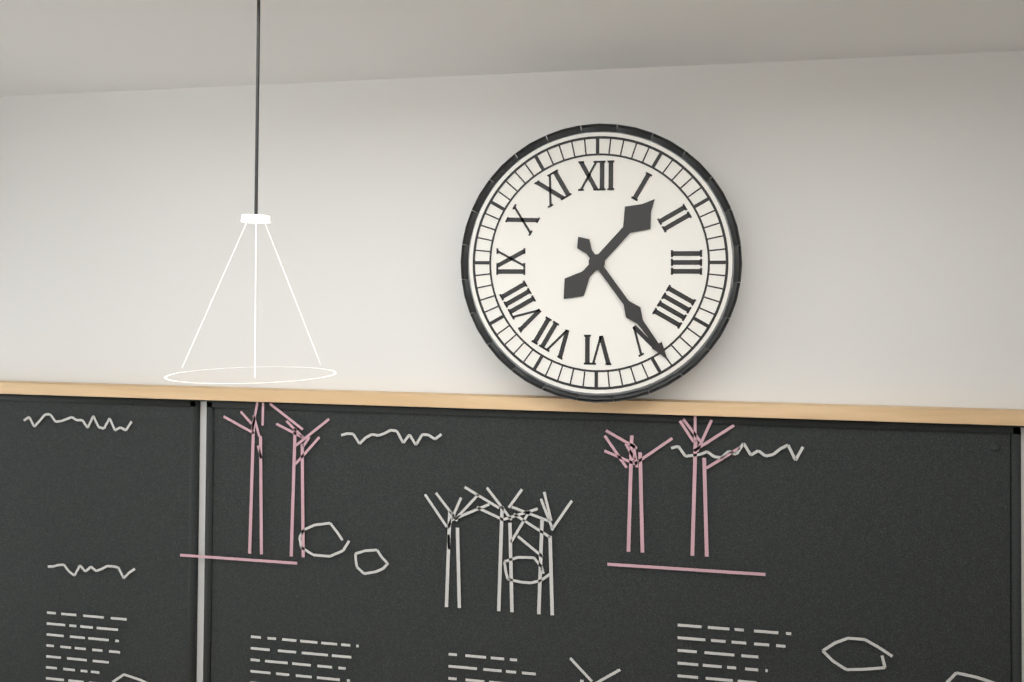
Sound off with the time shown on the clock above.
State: 1:24
